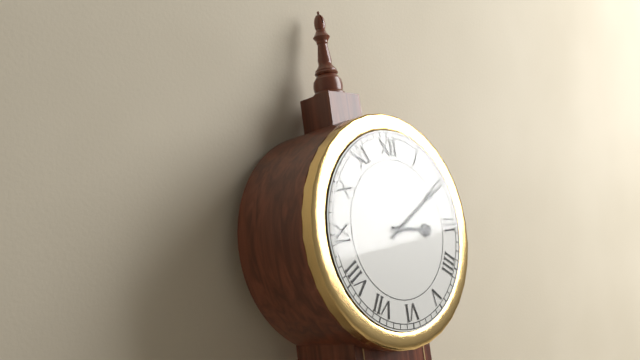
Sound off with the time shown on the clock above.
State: 3:10
